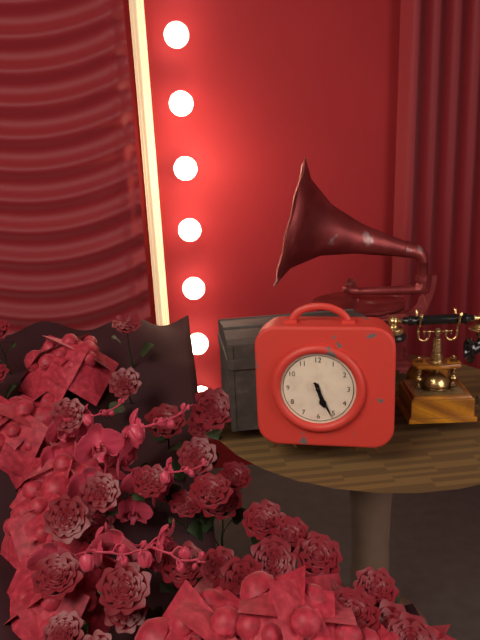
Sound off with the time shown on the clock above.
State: 5:26
